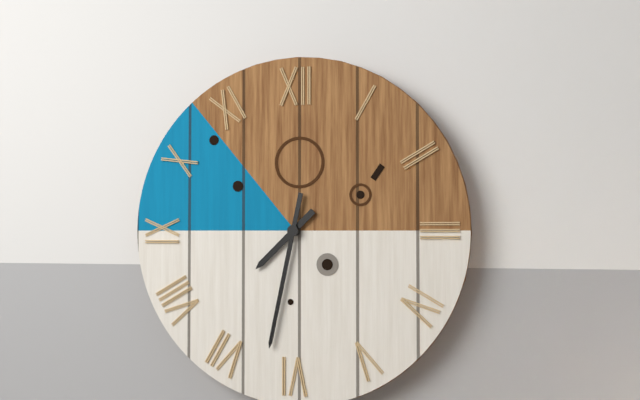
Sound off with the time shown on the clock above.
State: 7:32
